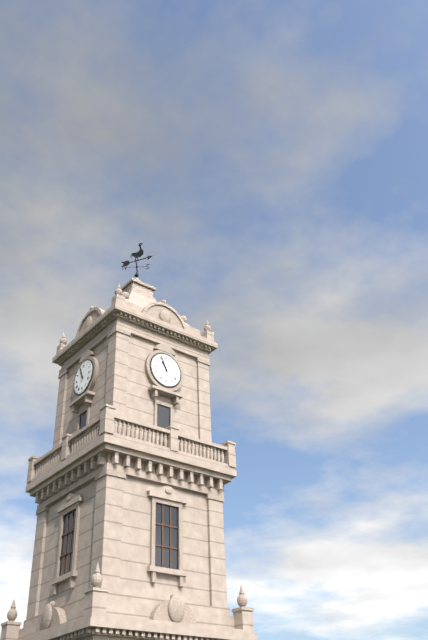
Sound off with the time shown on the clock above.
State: 10:56
